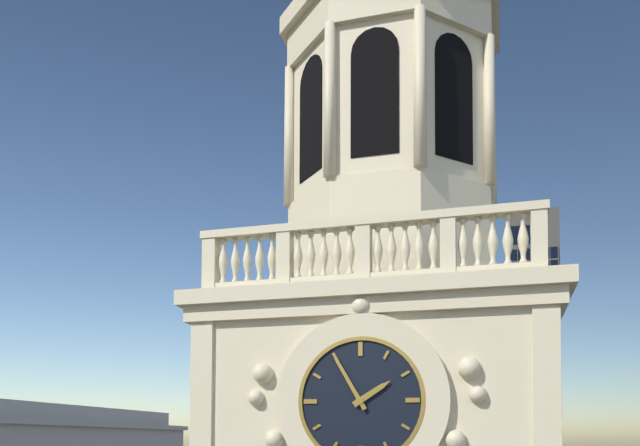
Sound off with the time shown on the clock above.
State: 1:55
